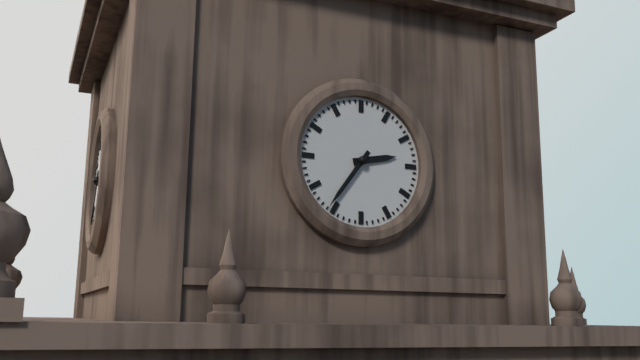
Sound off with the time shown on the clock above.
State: 2:36
